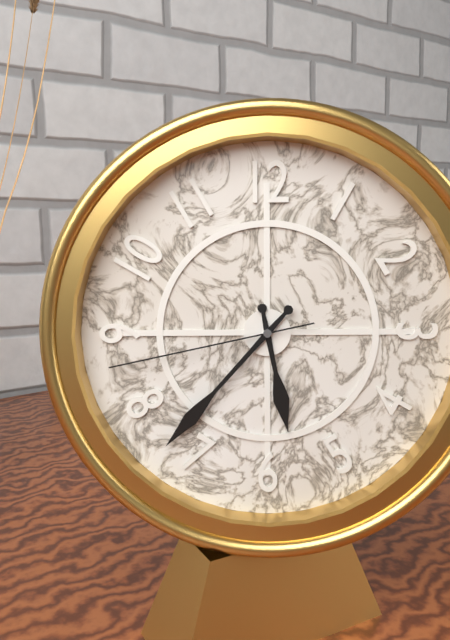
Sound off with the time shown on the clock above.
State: 5:37:43
